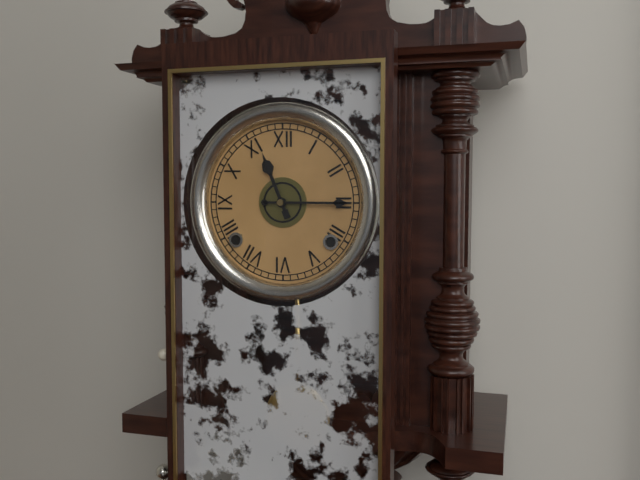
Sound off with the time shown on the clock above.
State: 11:15
